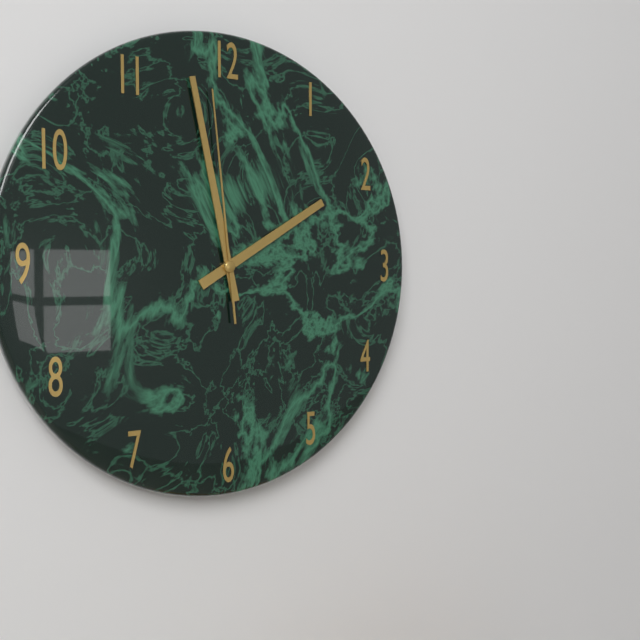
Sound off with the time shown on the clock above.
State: 1:58:59
